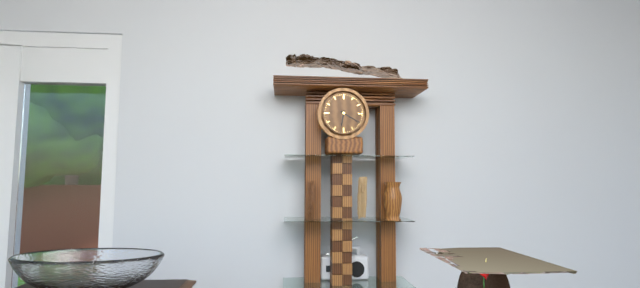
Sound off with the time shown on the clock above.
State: 6:20
